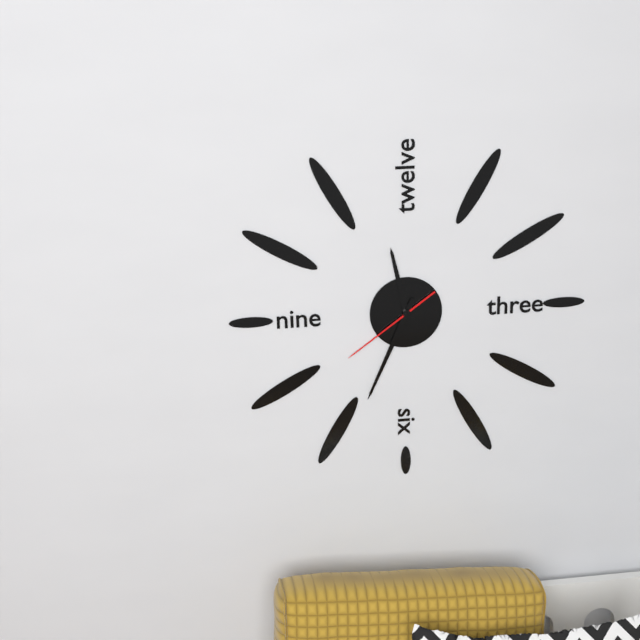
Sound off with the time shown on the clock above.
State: 11:34:39
